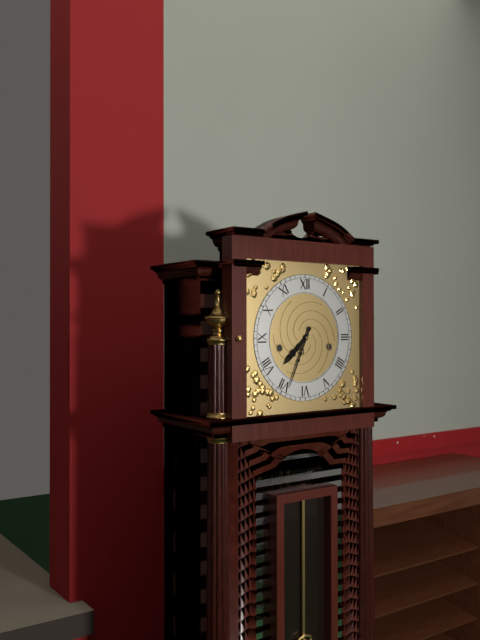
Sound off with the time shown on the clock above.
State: 7:34
